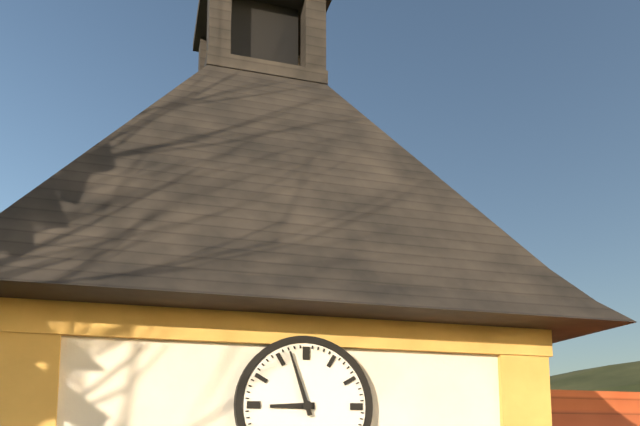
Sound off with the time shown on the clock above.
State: 8:57
